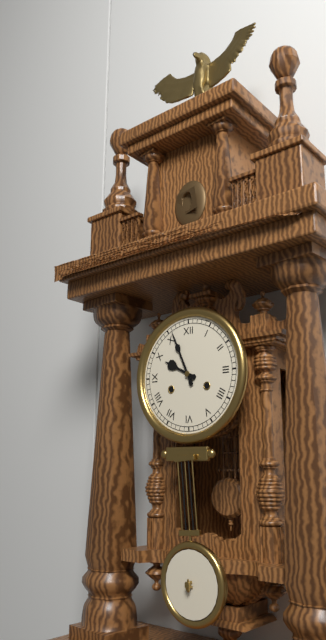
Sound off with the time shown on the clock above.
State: 9:56
